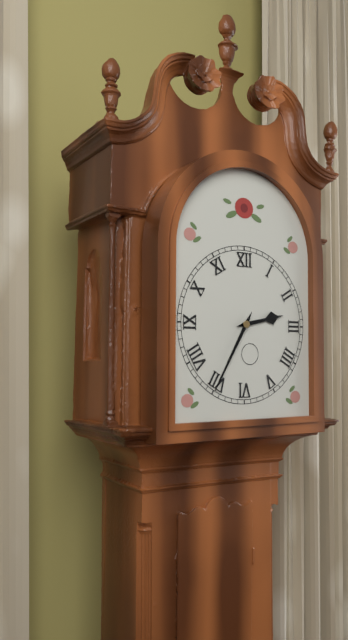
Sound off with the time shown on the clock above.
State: 2:35
